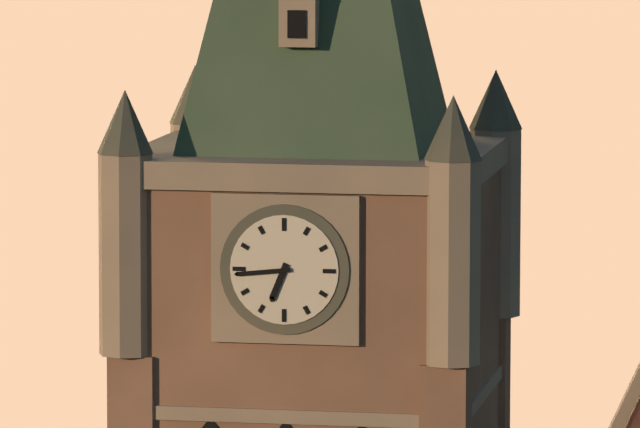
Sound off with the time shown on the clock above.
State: 6:44
